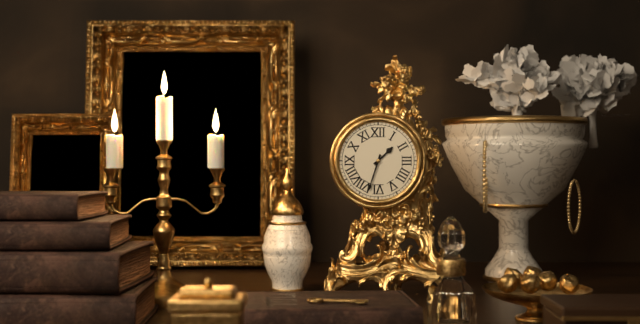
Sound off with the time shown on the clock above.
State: 1:33
